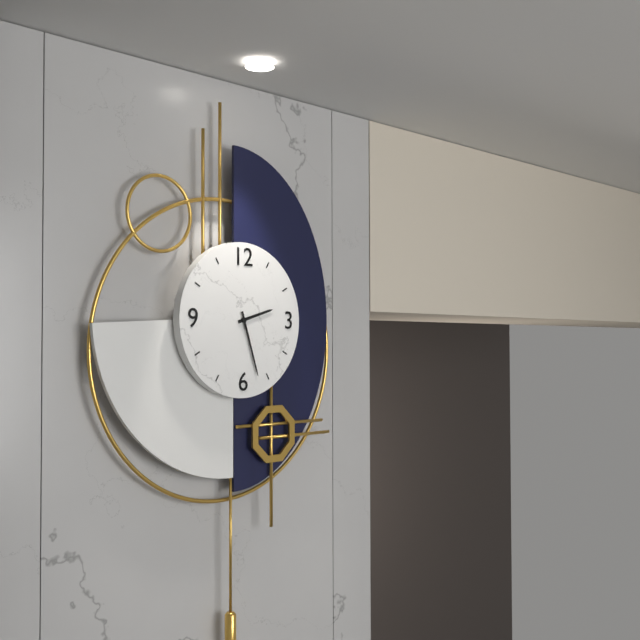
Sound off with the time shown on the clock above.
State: 2:27
